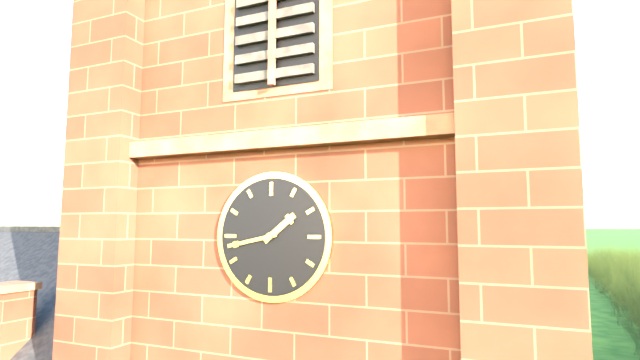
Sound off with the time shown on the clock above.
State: 1:43
